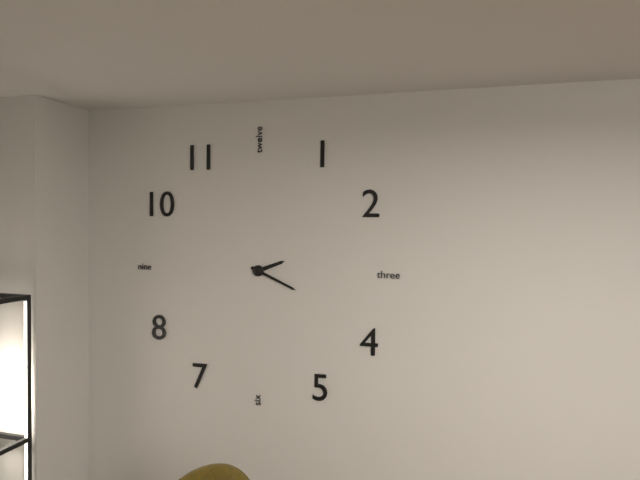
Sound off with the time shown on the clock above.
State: 2:19
